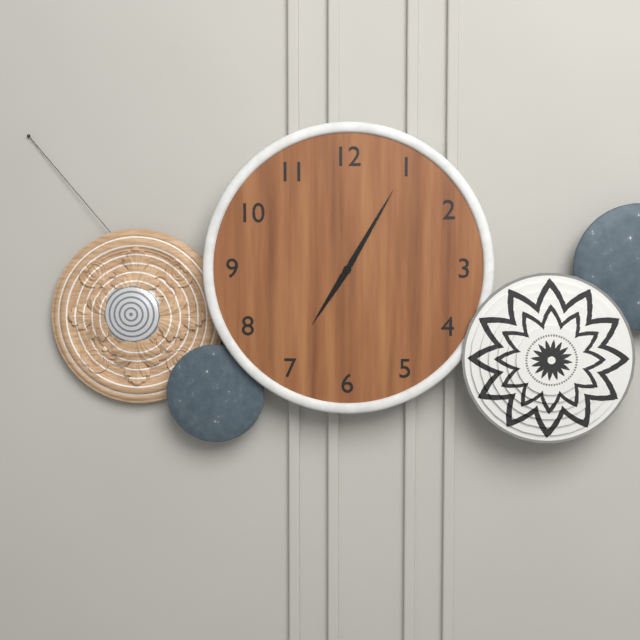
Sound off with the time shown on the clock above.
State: 7:05
